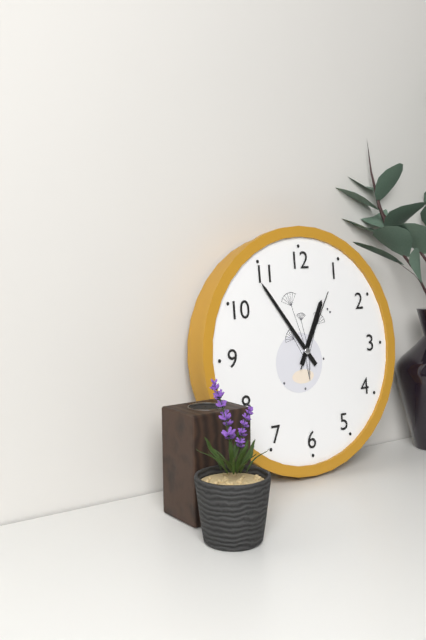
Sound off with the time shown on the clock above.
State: 12:54:05
